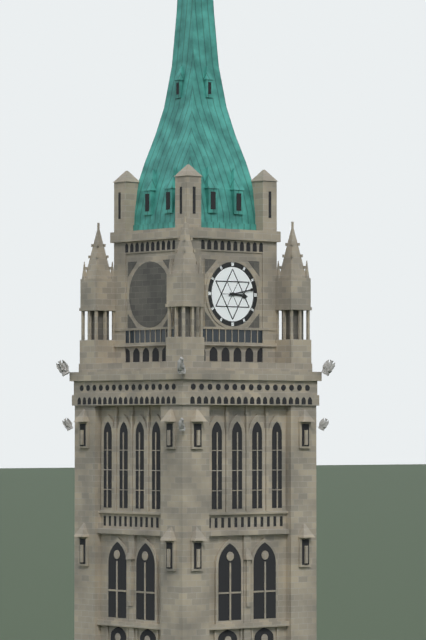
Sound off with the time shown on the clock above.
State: 3:13
